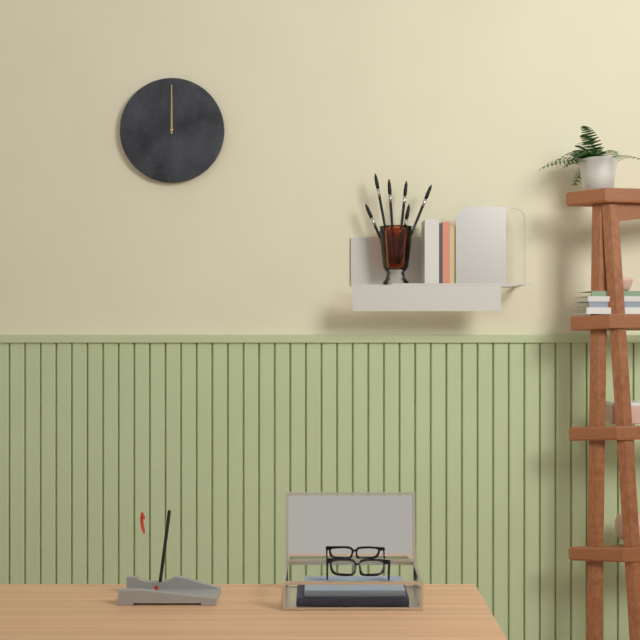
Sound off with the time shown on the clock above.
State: 12:00
